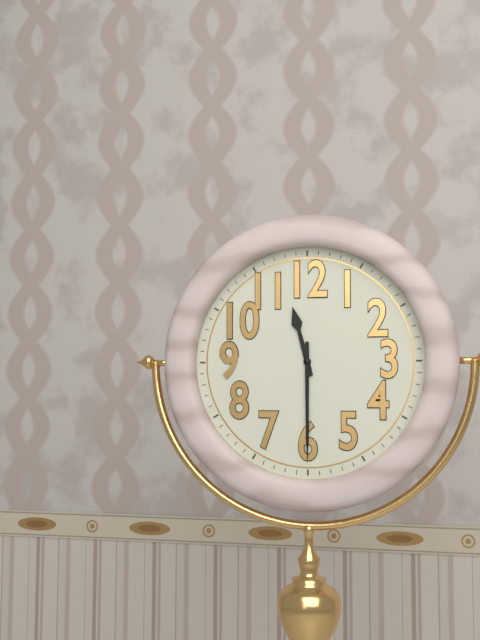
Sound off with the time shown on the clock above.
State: 11:30
